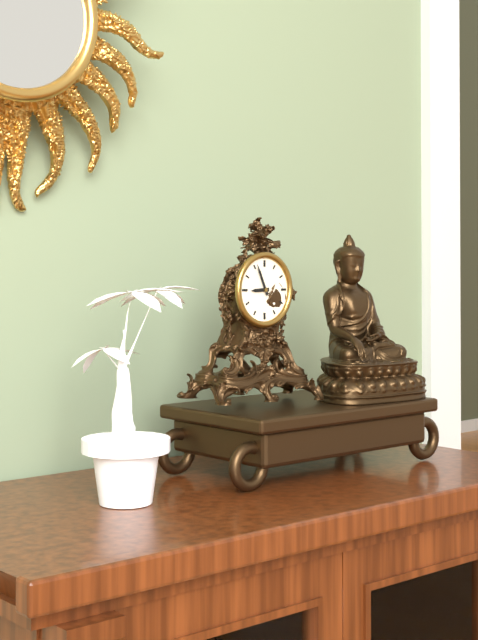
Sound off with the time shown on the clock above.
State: 8:56
